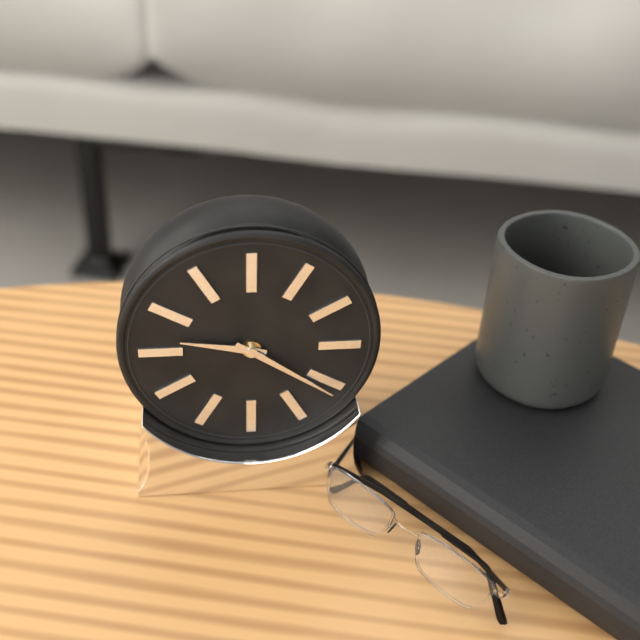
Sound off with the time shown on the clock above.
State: 9:21
